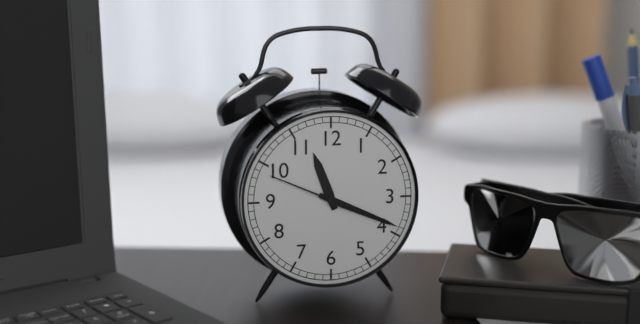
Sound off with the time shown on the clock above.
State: 11:19:49
